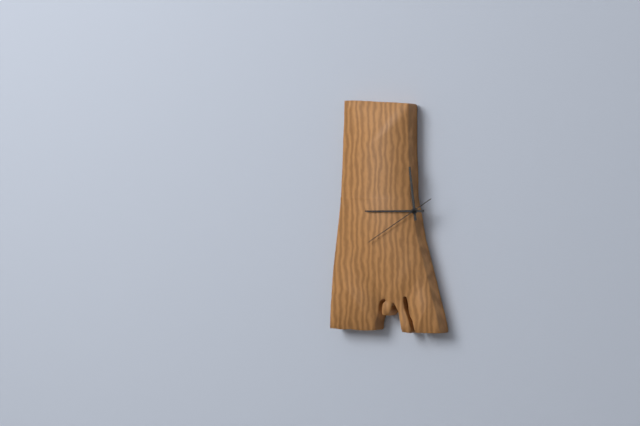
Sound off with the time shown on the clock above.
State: 11:45:40
